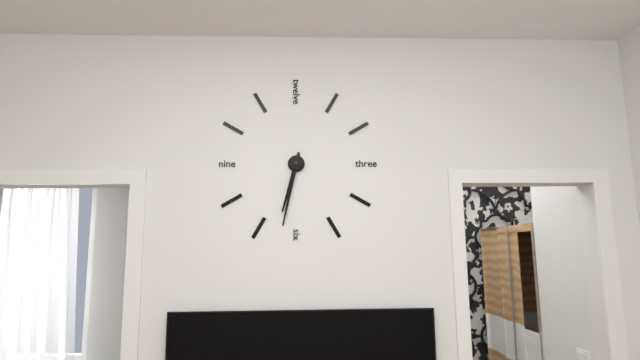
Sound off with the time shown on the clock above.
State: 6:32
